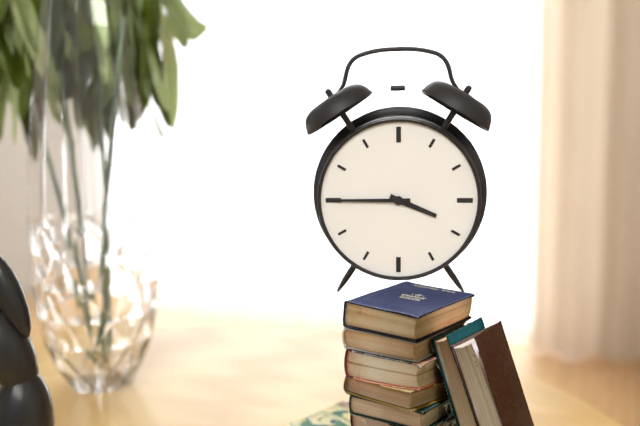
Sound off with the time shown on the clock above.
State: 3:45
